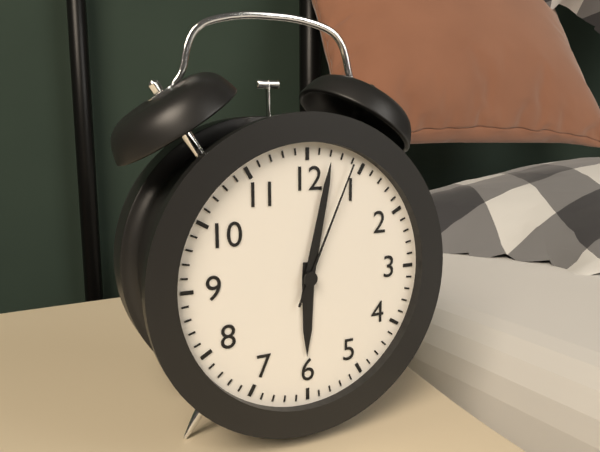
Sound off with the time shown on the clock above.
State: 6:02:04
